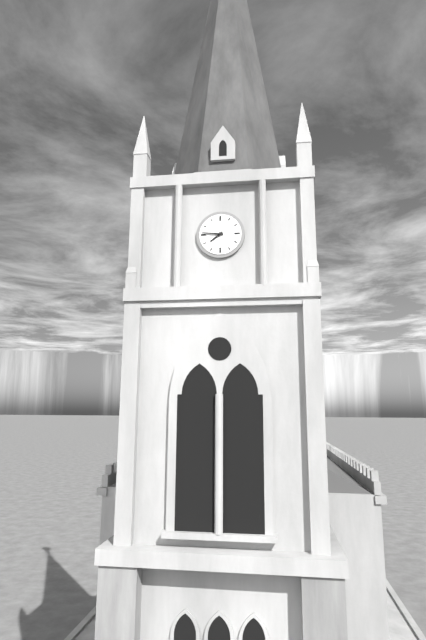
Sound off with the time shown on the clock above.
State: 7:46
